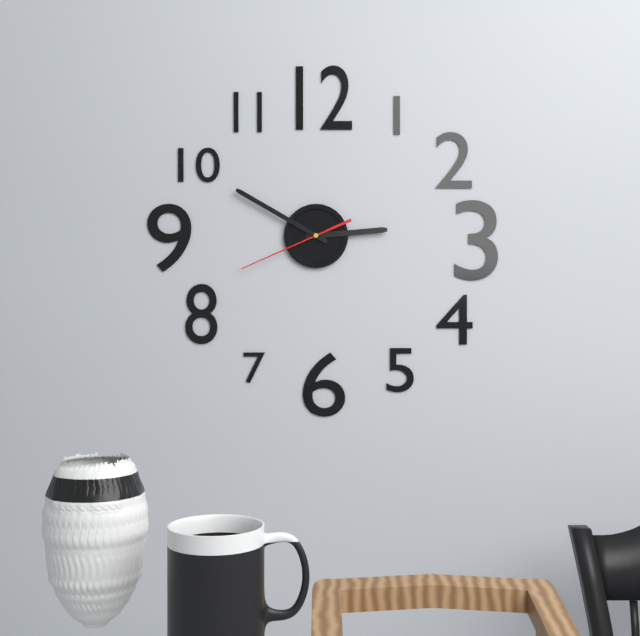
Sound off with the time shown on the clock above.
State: 2:50:41
